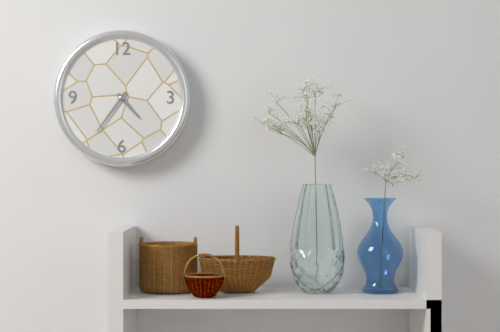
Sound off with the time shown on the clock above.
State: 4:36
